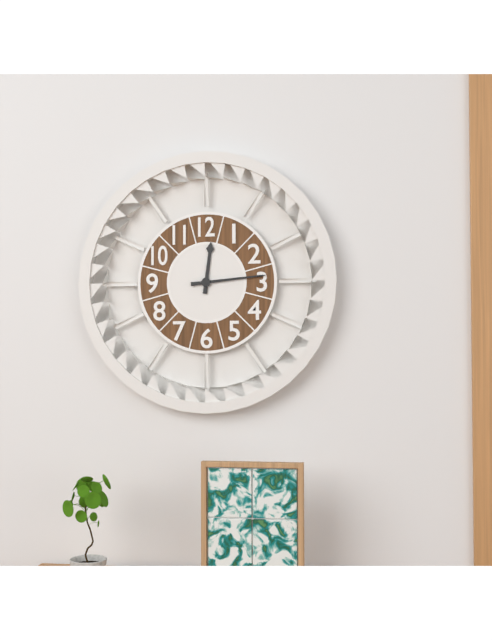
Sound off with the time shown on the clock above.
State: 12:14
